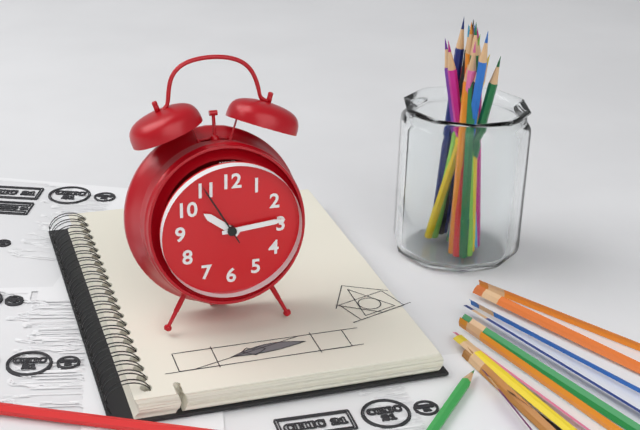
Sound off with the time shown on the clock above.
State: 10:14:55
